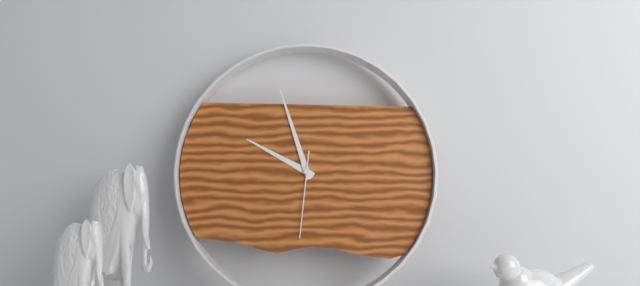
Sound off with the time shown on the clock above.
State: 9:57:31
